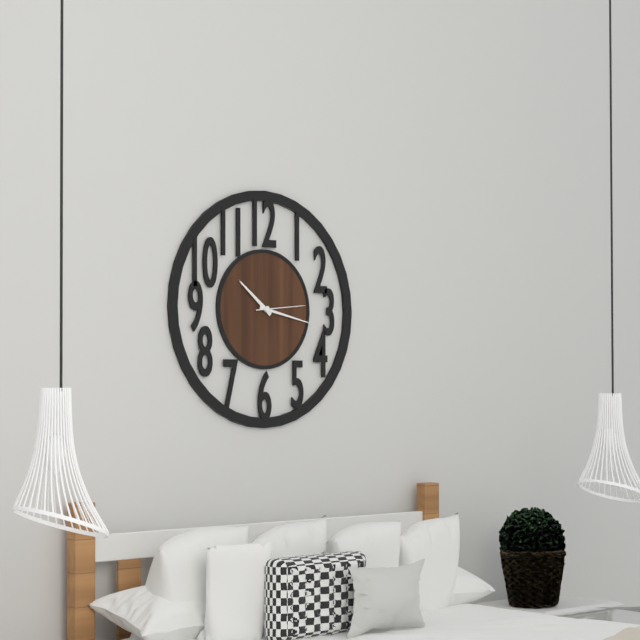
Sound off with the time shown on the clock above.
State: 10:17:14
